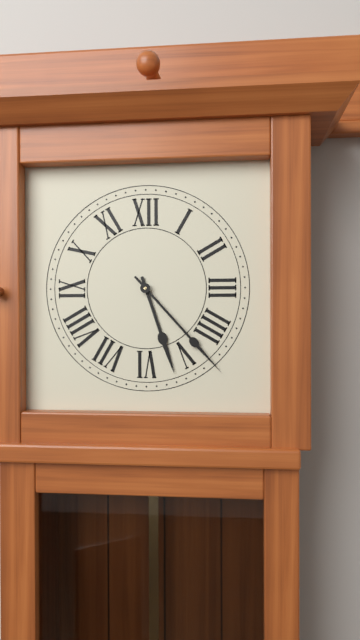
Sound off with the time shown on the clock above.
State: 5:23
